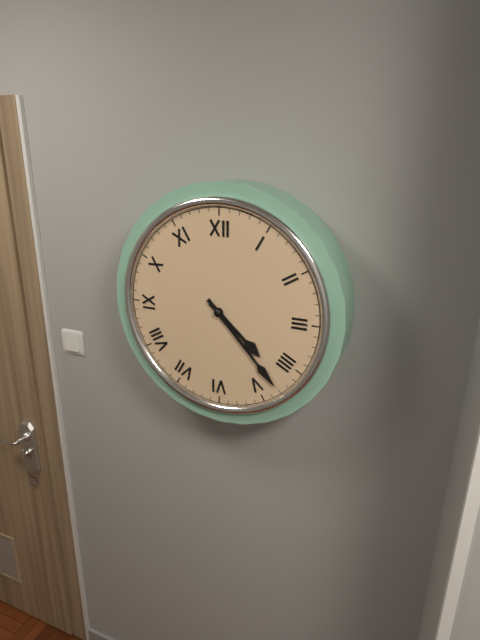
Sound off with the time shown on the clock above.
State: 4:23
